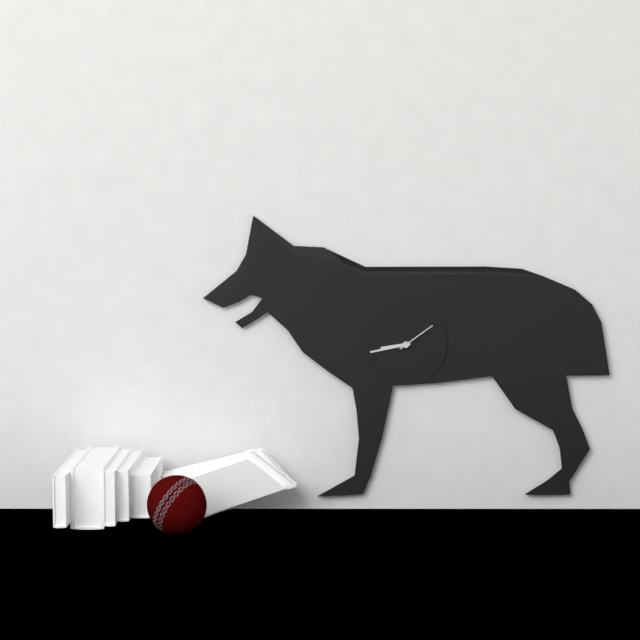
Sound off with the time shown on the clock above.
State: 8:43
